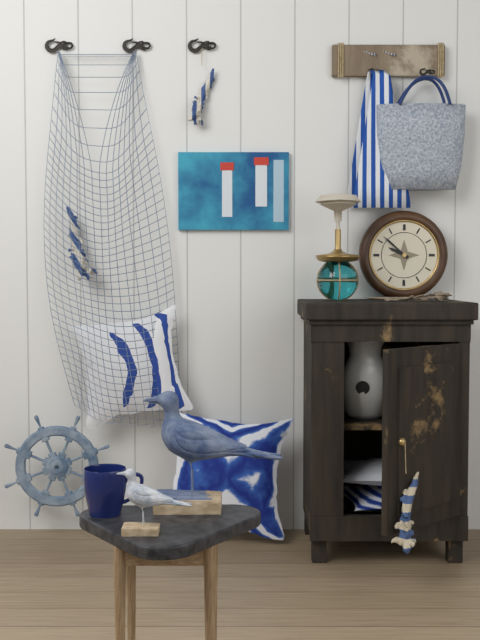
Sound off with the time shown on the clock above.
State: 9:52
